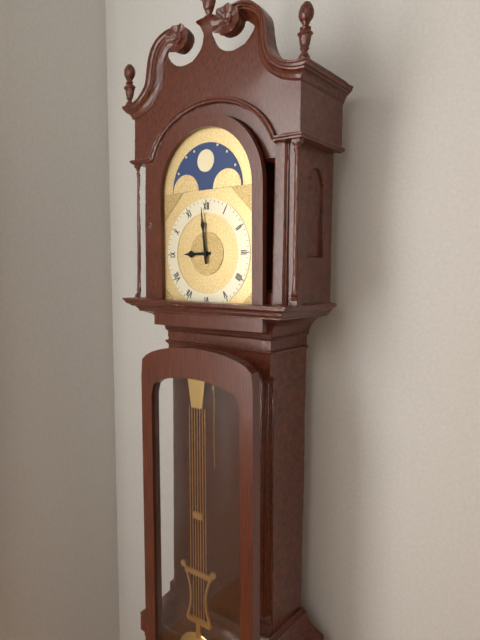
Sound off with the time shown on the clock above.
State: 8:59
